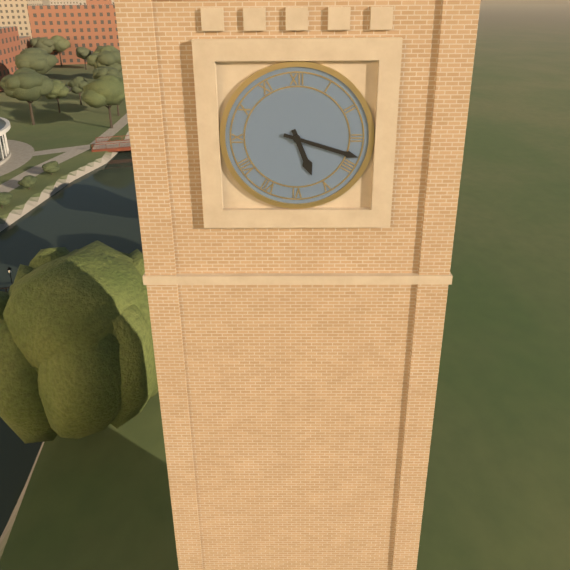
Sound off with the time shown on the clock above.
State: 5:18
